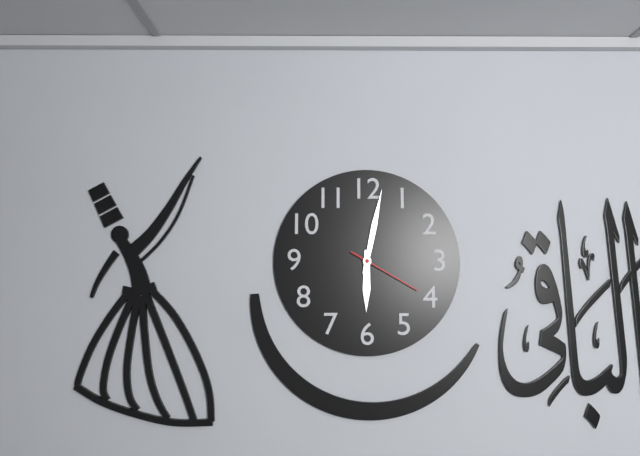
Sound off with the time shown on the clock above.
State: 6:02:20
